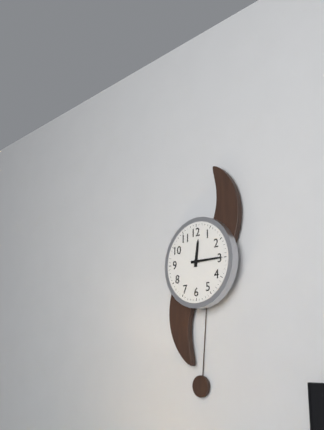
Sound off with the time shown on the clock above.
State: 12:15
